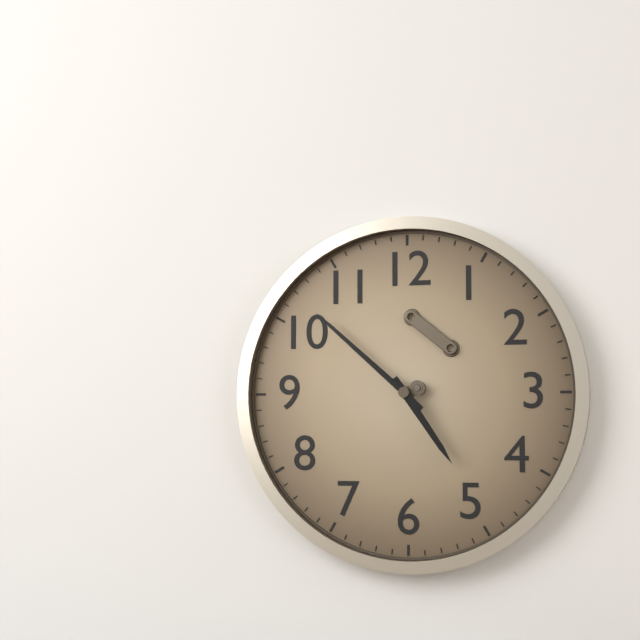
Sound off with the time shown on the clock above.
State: 4:52
